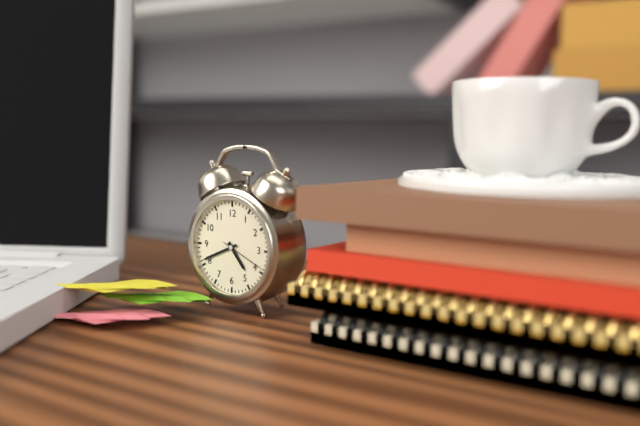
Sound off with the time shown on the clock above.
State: 4:41:19
